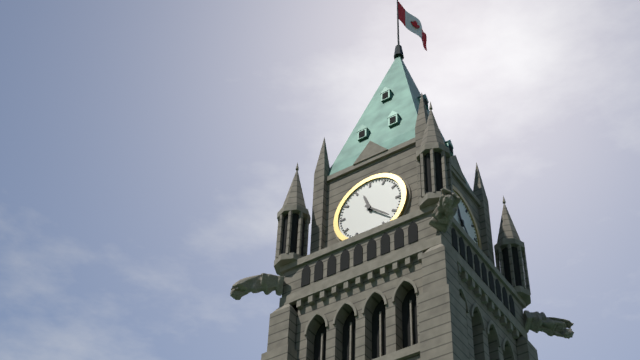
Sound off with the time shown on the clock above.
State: 11:22
